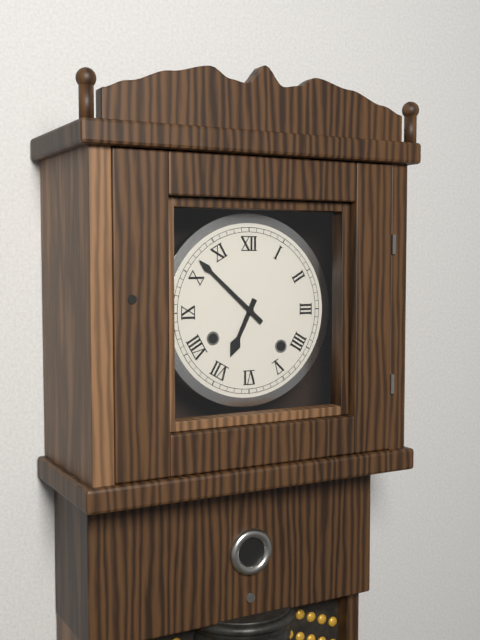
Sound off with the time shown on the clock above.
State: 6:52
